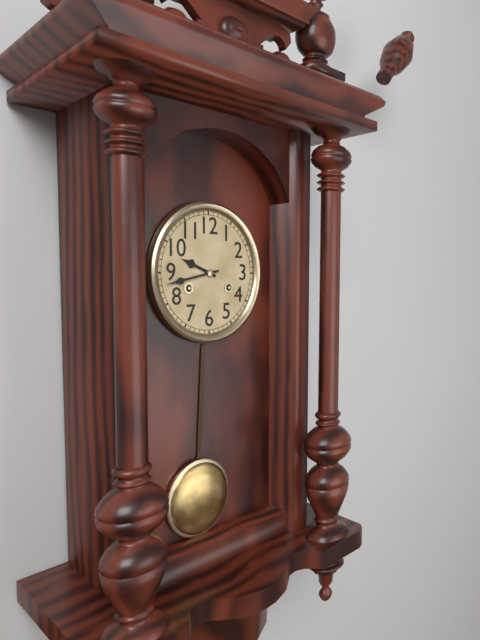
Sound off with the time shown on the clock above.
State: 9:43
